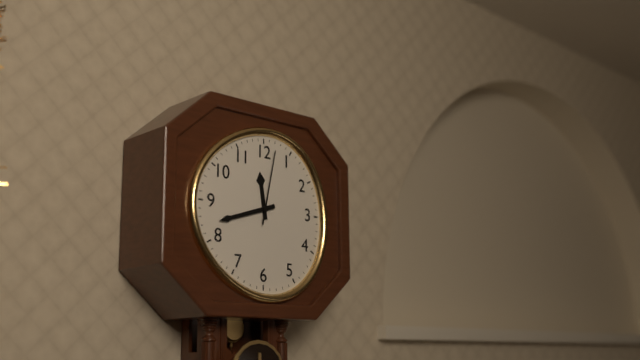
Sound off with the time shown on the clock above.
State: 11:42:02
